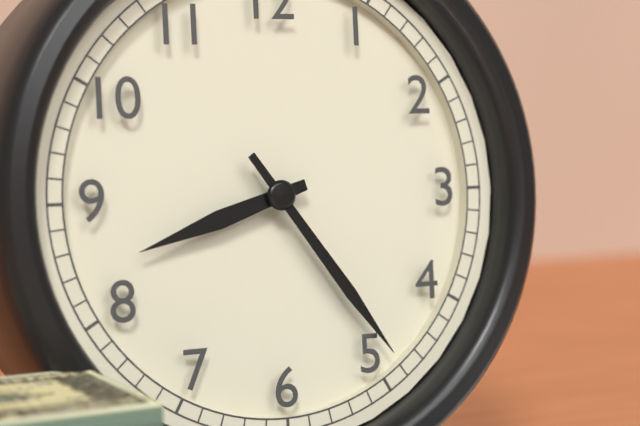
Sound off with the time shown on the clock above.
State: 8:24
